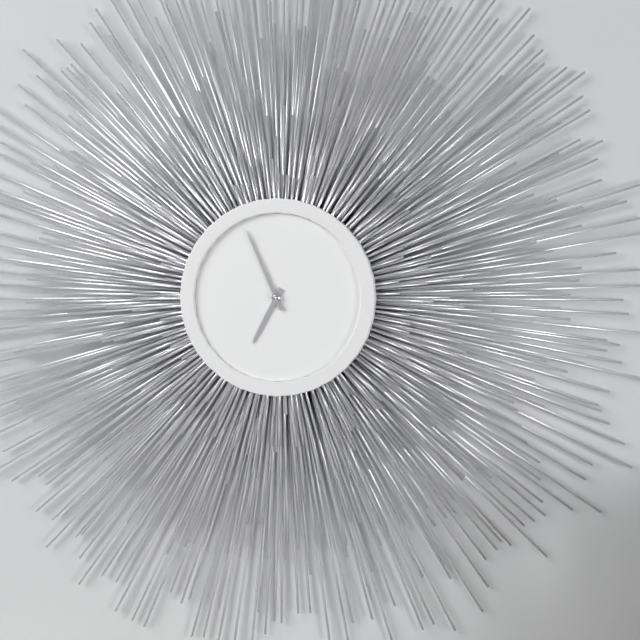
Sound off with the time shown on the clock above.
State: 6:56
